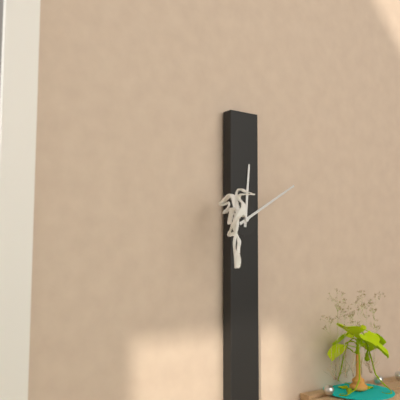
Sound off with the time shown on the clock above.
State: 12:10
